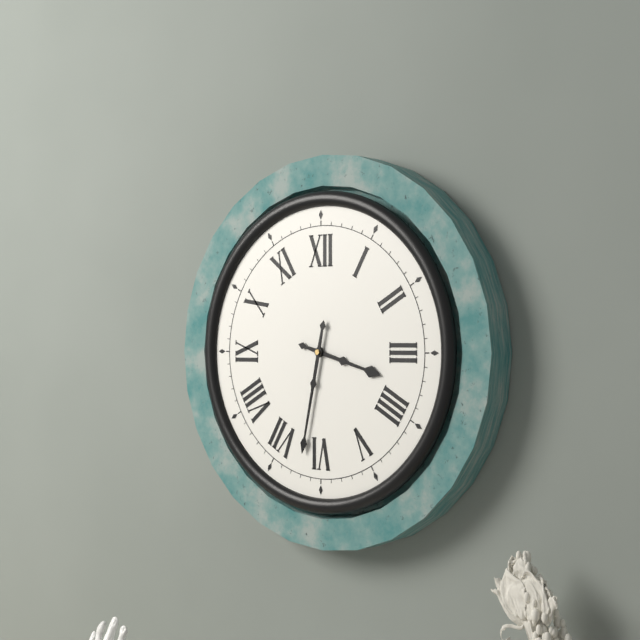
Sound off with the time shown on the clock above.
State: 3:32
